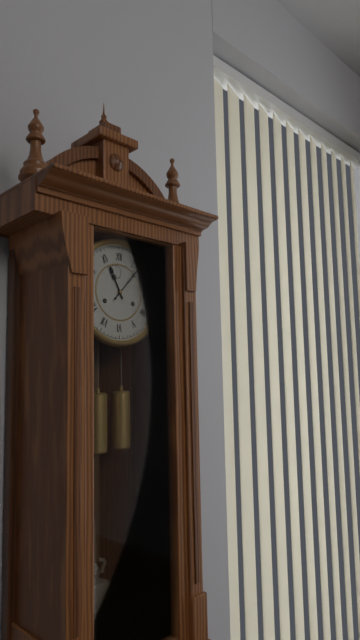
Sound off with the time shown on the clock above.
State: 11:07
